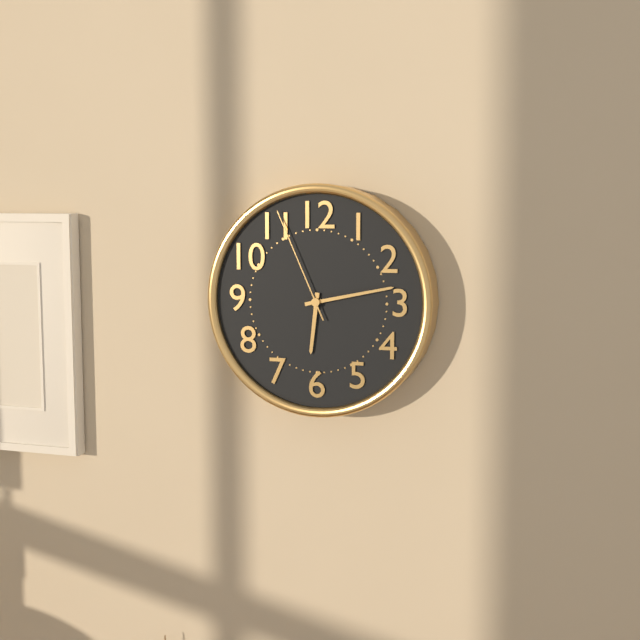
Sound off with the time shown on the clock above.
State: 6:13:56
